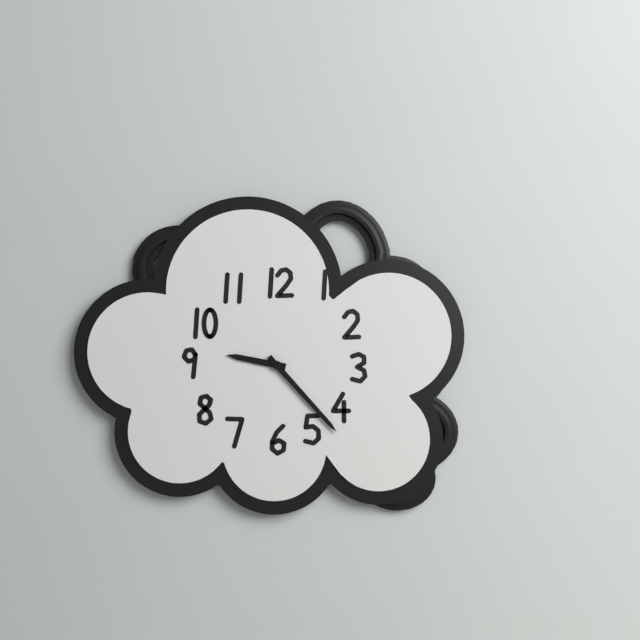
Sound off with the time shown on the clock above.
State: 9:23
